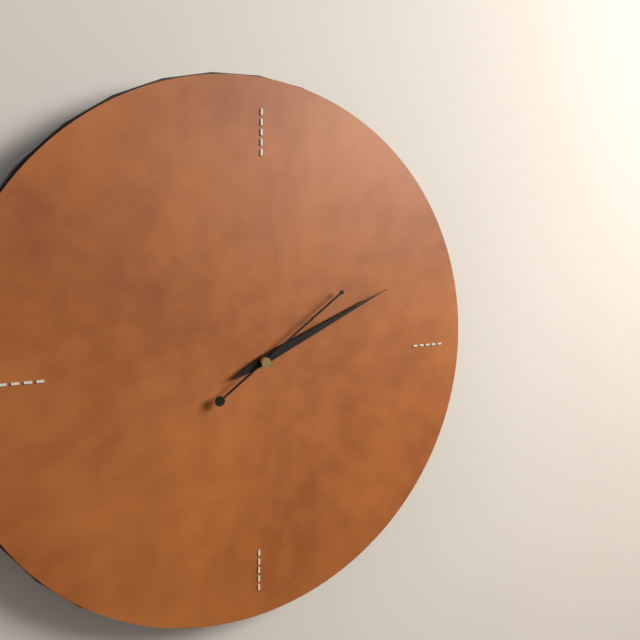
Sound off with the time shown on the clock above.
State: 2:11:09
